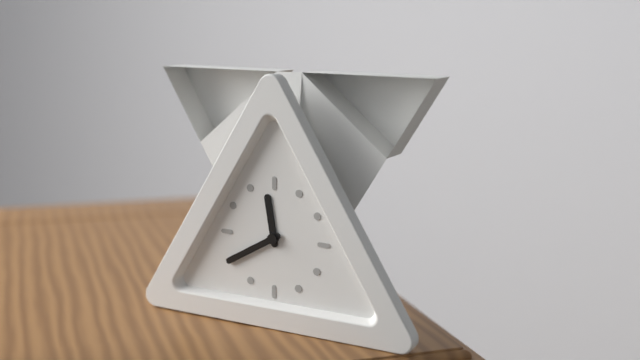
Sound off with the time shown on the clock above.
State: 11:40
